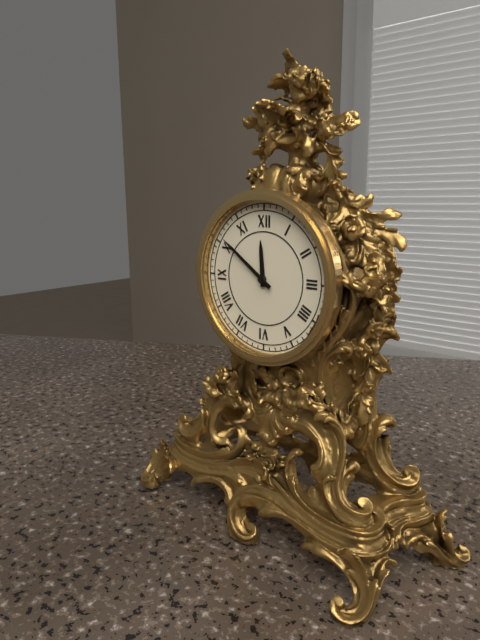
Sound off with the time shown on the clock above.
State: 11:51
